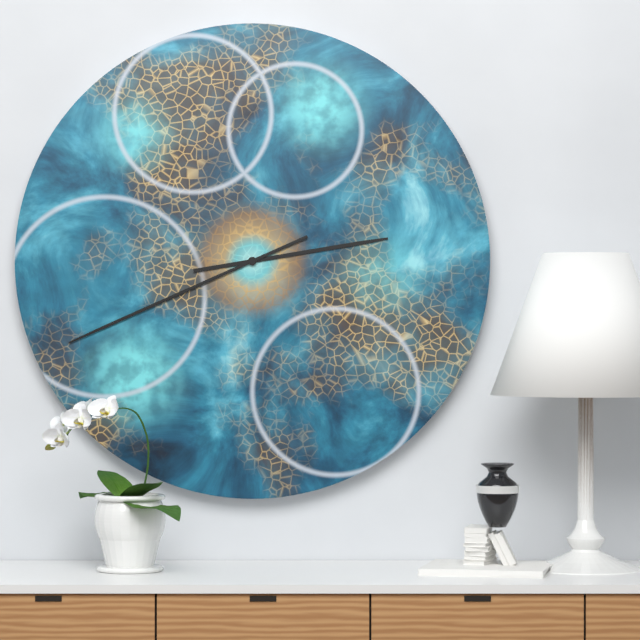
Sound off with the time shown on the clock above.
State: 2:41
